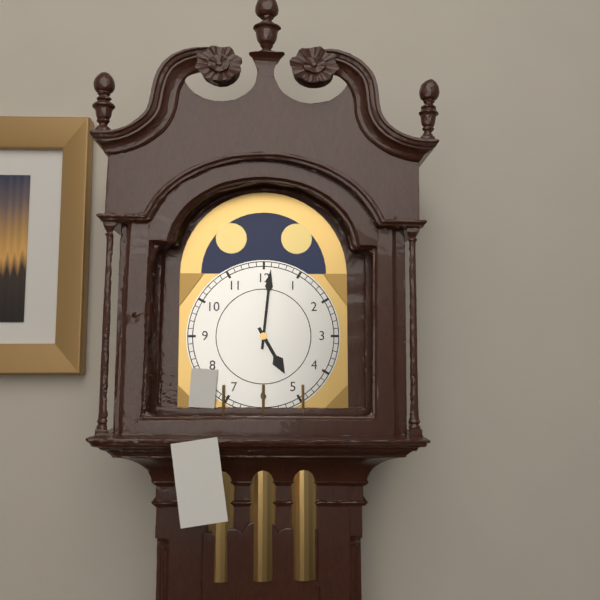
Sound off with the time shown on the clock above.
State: 5:01
